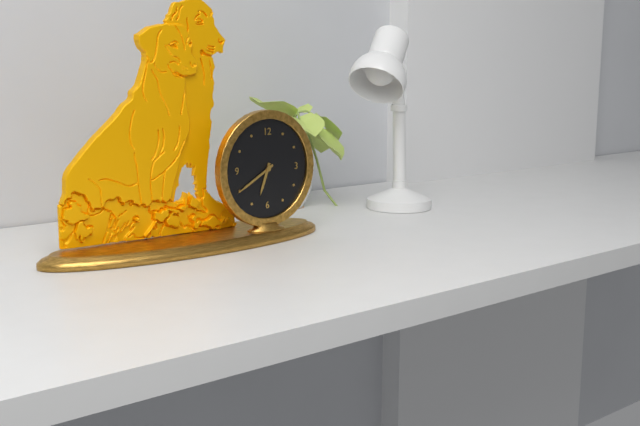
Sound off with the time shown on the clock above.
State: 6:40
